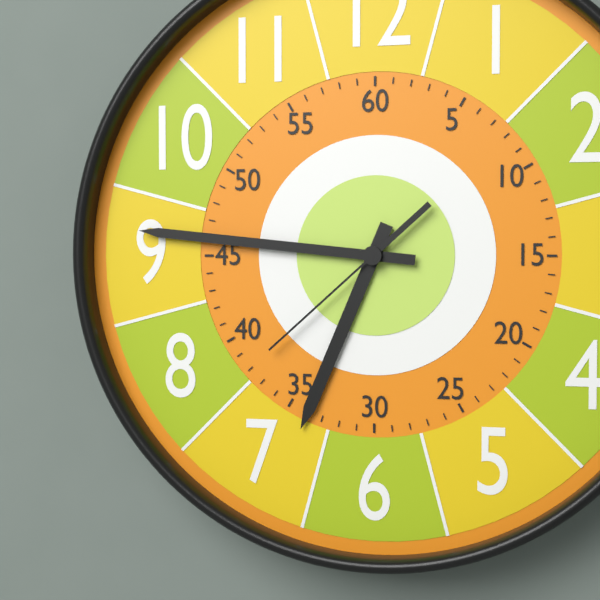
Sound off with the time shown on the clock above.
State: 6:46:38
